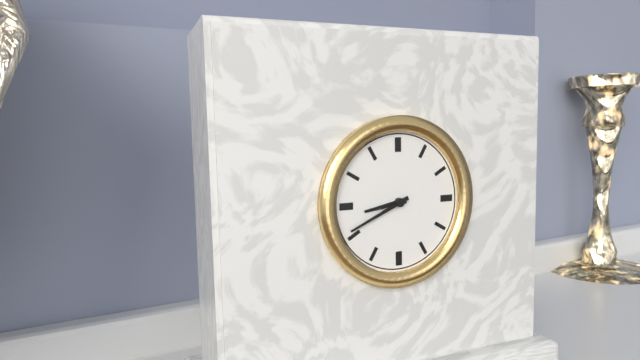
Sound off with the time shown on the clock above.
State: 8:41
